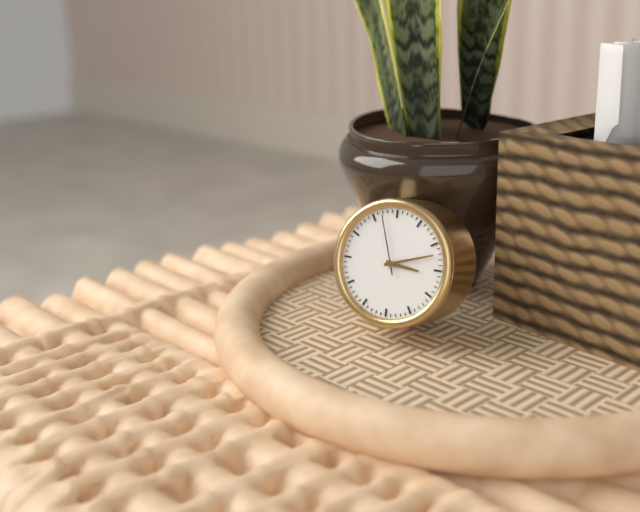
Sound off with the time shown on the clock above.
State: 3:12:57
